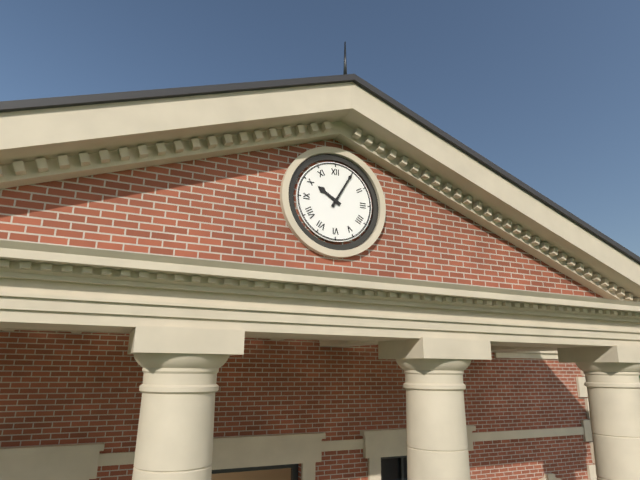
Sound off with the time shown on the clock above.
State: 10:05
